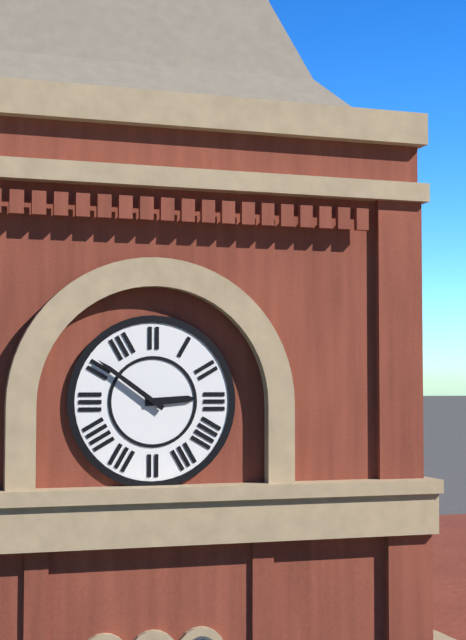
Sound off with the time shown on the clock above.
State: 2:51
